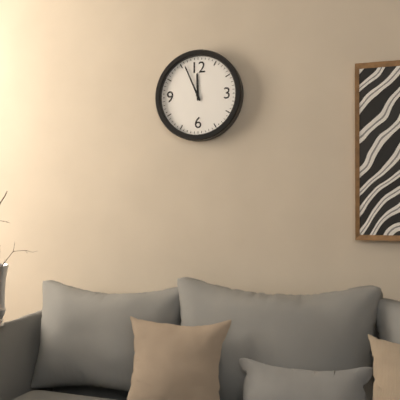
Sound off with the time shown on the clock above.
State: 11:56
